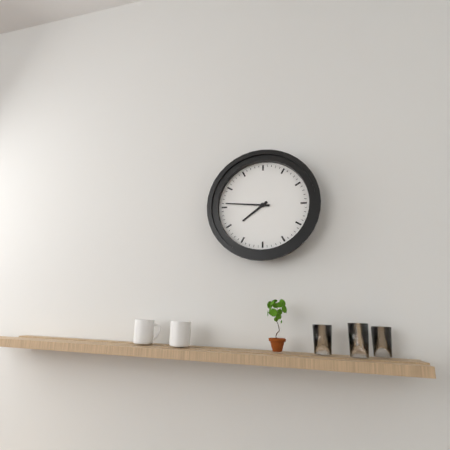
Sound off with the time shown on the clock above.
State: 7:46
